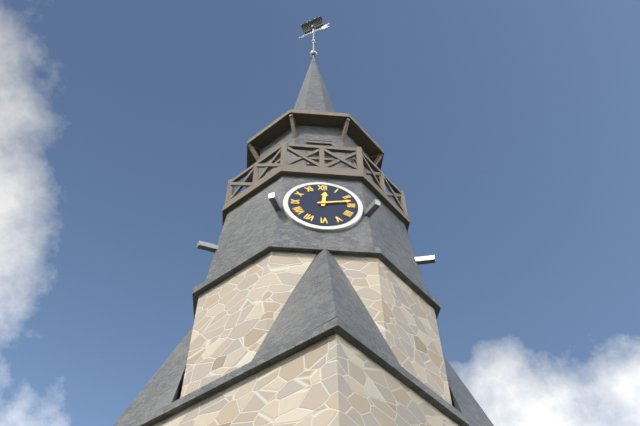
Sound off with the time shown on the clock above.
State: 12:13
